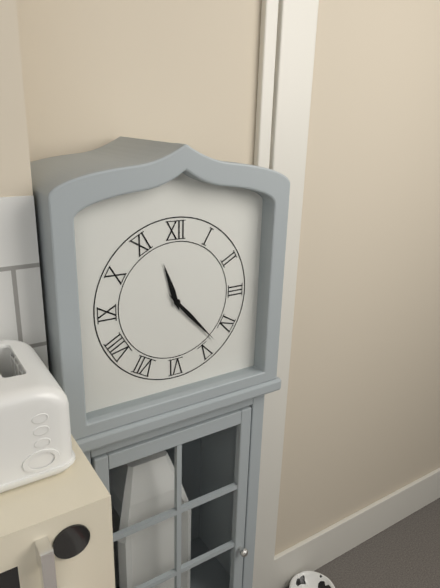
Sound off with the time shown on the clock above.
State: 11:23
